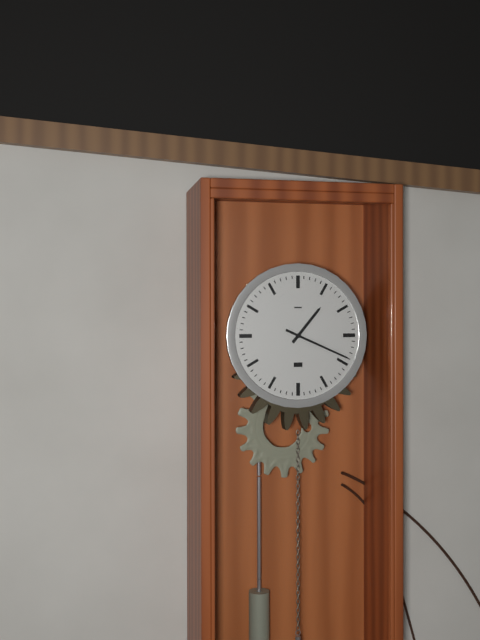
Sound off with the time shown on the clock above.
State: 1:19
